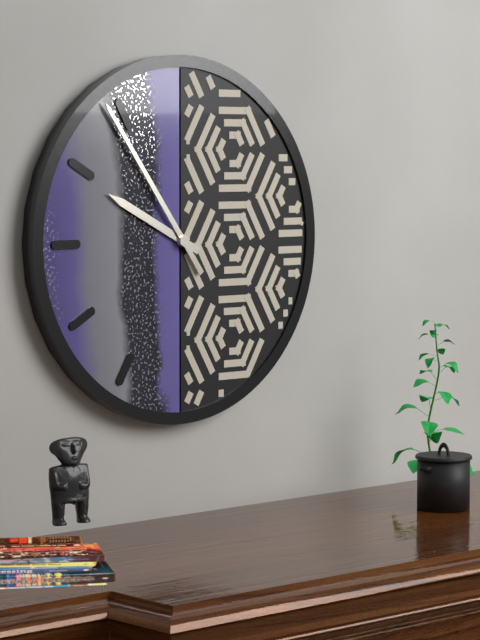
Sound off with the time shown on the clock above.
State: 9:54
